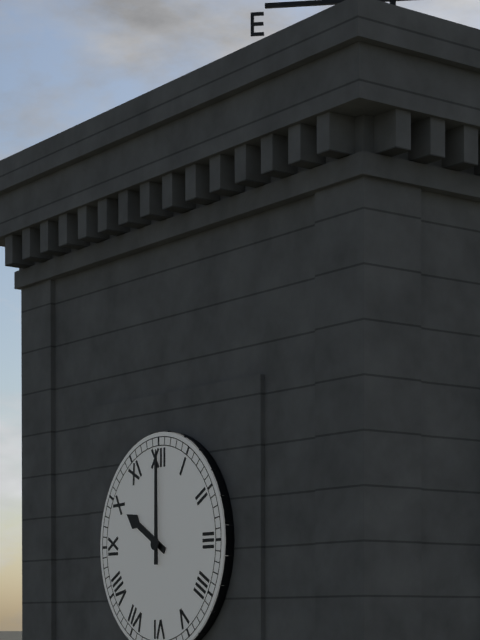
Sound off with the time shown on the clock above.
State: 10:00
